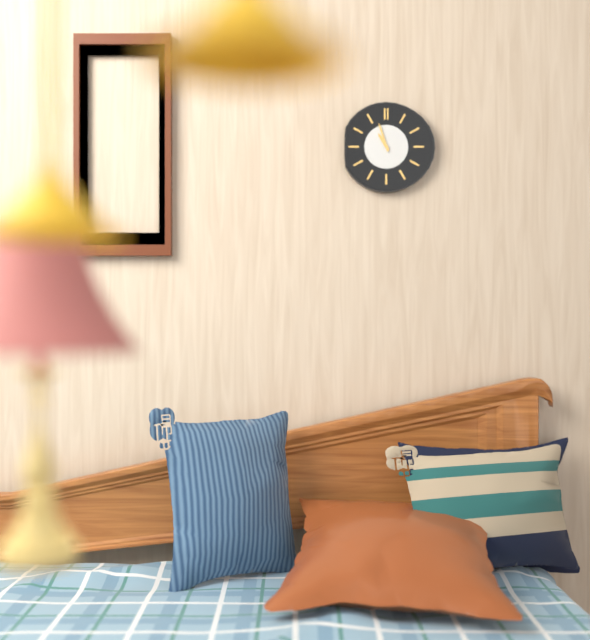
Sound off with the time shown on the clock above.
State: 10:57
